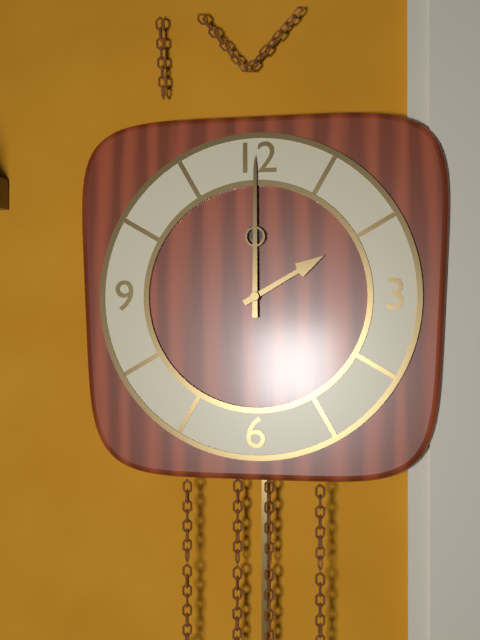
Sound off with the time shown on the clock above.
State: 2:00
